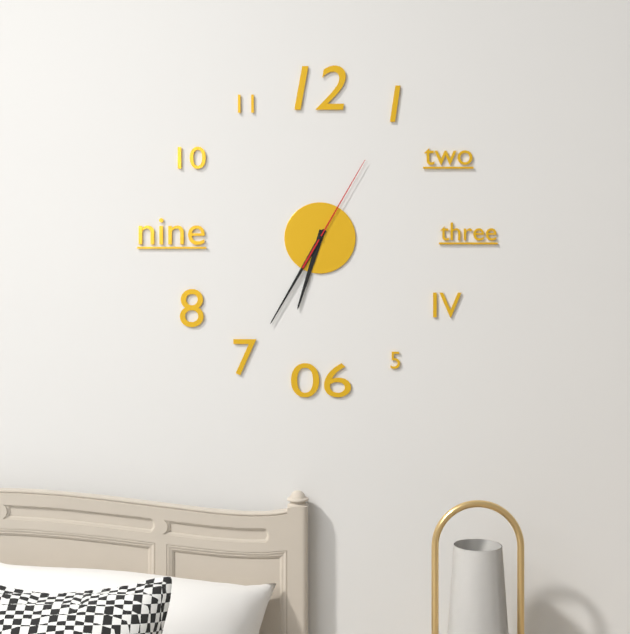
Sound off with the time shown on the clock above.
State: 6:35:05
